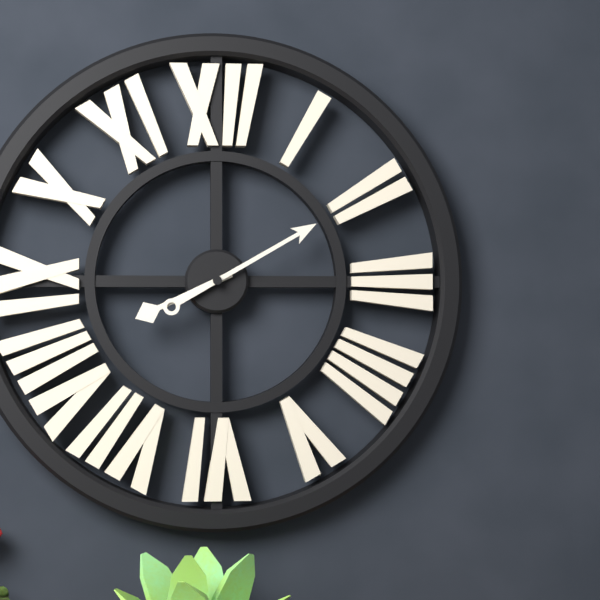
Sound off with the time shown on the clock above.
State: 8:10
